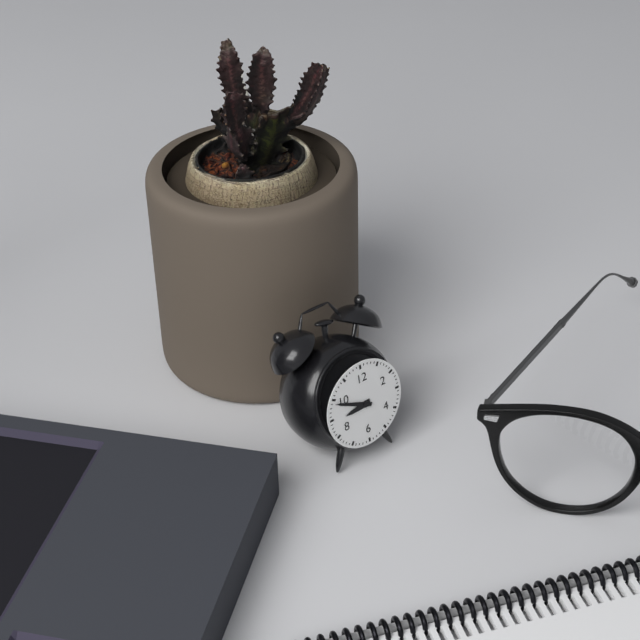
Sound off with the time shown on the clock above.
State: 8:49
